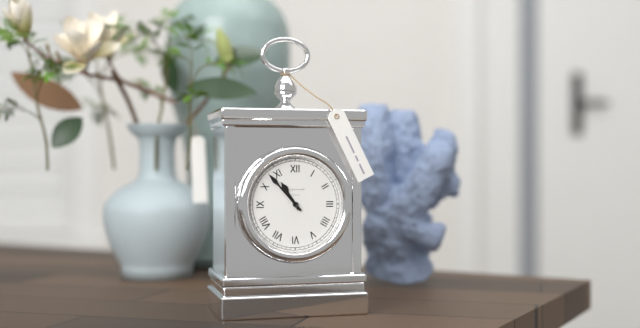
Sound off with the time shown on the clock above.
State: 10:53
